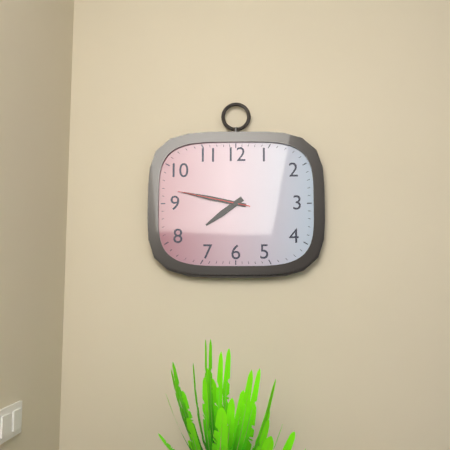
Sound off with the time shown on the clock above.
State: 7:47:47
